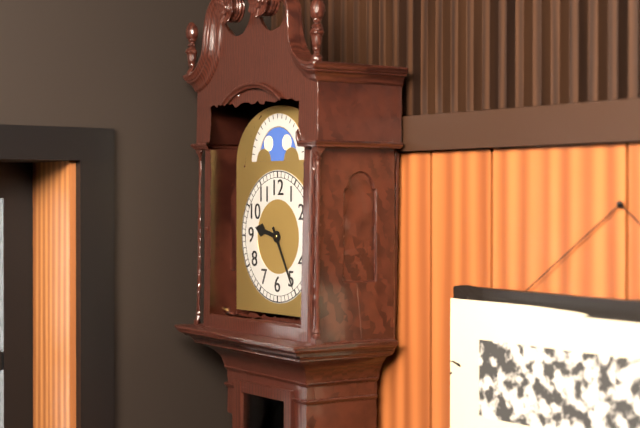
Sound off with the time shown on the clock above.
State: 9:25
